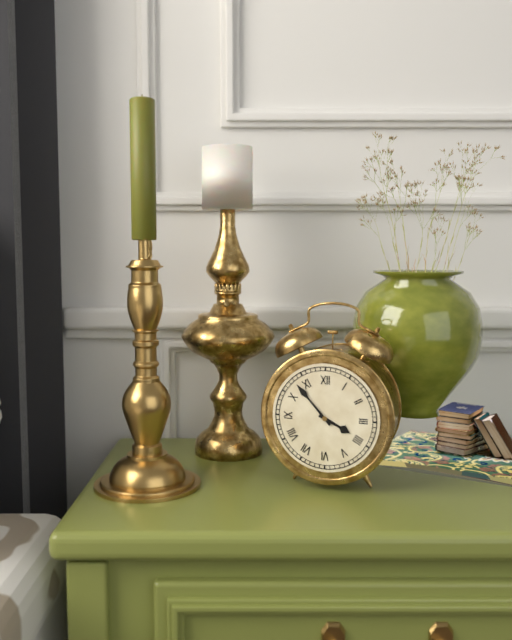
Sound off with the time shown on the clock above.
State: 3:53
